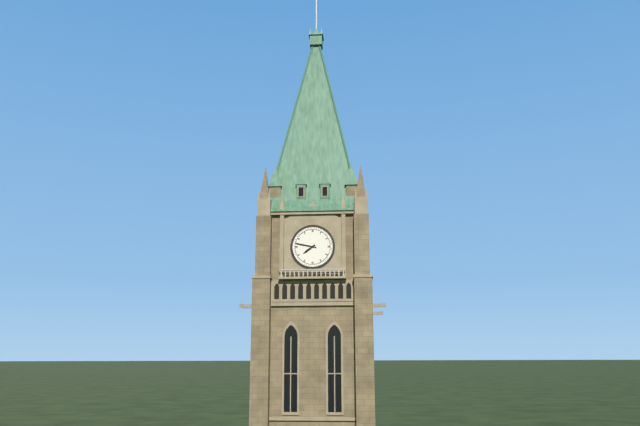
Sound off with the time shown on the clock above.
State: 7:47
